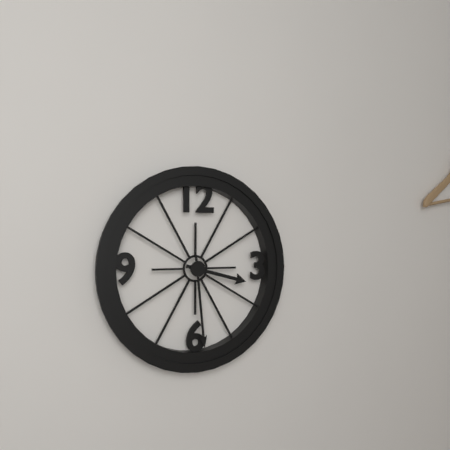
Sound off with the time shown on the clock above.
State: 3:29
